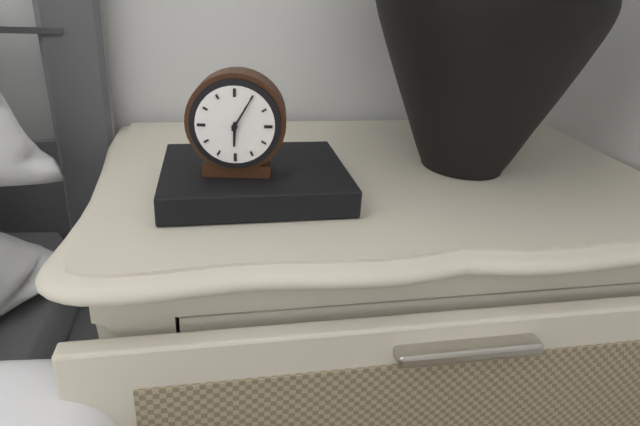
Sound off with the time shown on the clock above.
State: 6:05
